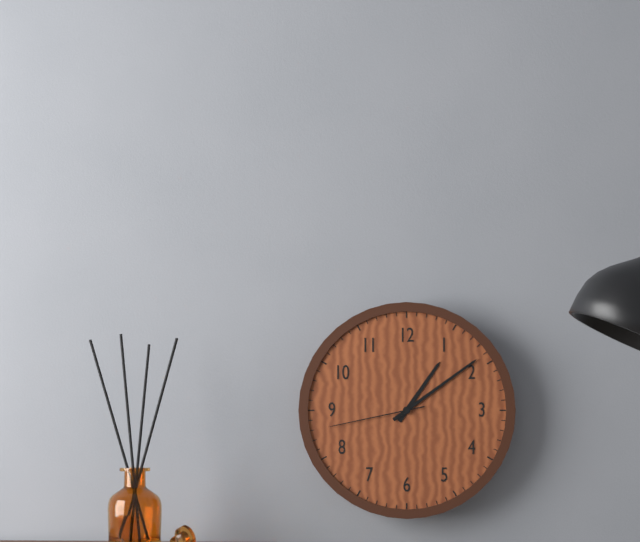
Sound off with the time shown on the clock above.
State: 1:09:43
